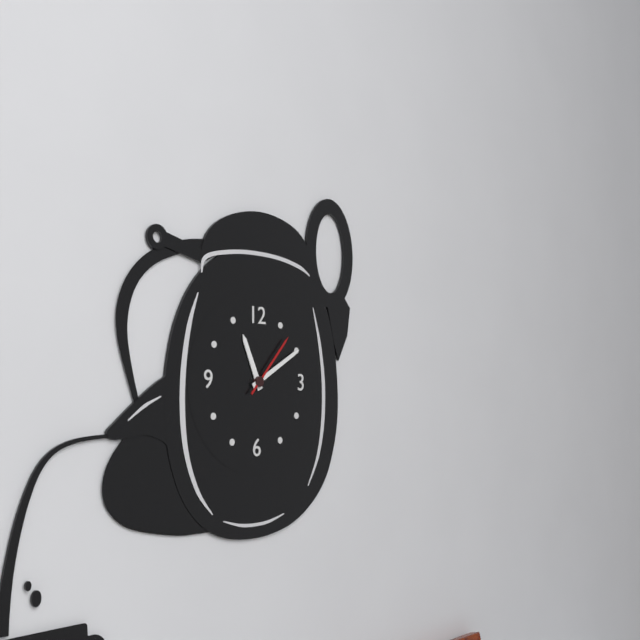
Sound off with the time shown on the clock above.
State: 11:10:07
